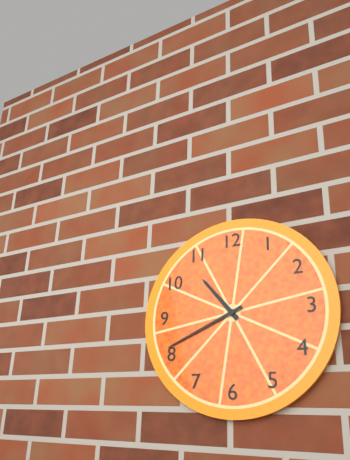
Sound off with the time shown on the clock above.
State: 10:41
